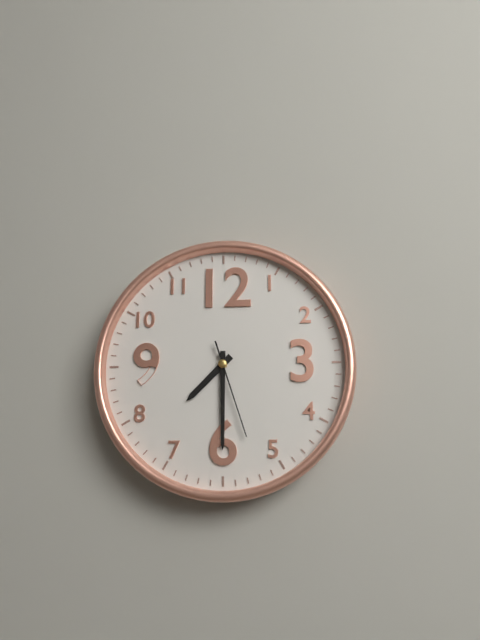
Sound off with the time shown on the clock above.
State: 7:30:27
